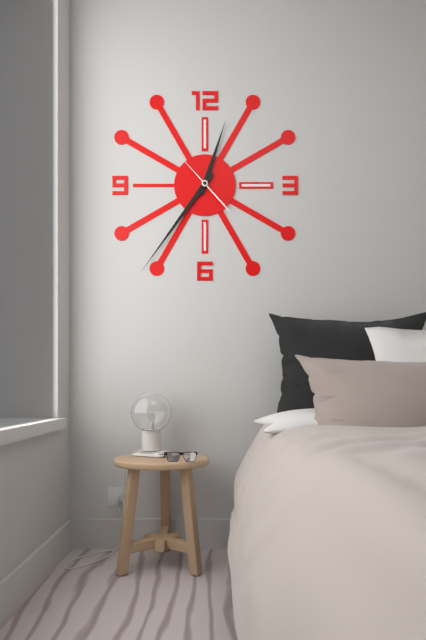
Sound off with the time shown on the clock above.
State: 12:36:53
